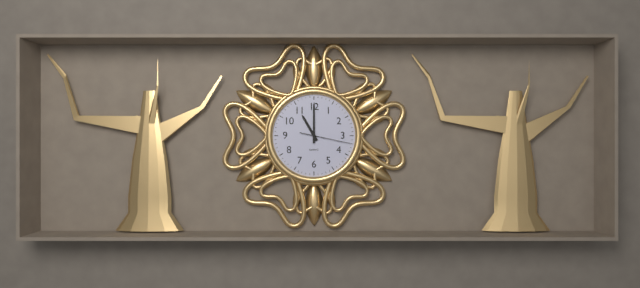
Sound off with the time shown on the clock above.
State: 11:00
